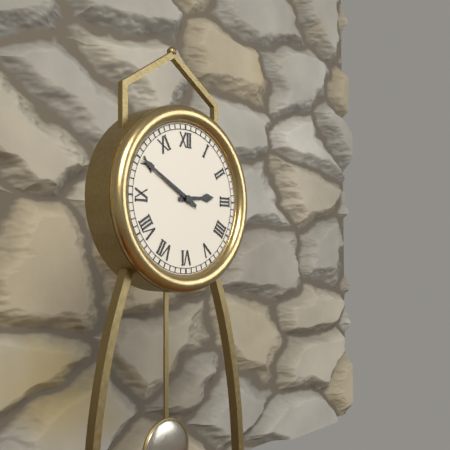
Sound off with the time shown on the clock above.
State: 2:50
